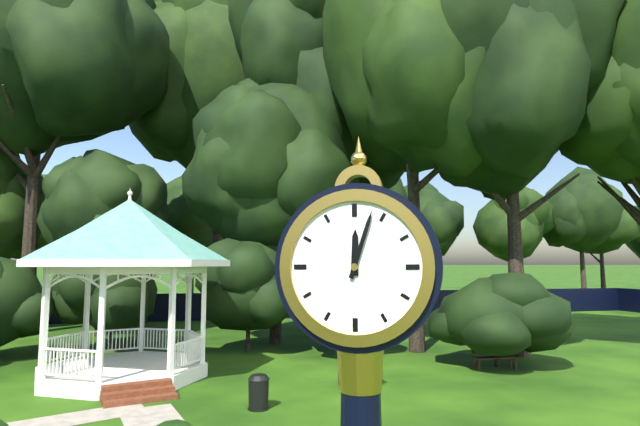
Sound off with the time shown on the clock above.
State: 12:03
